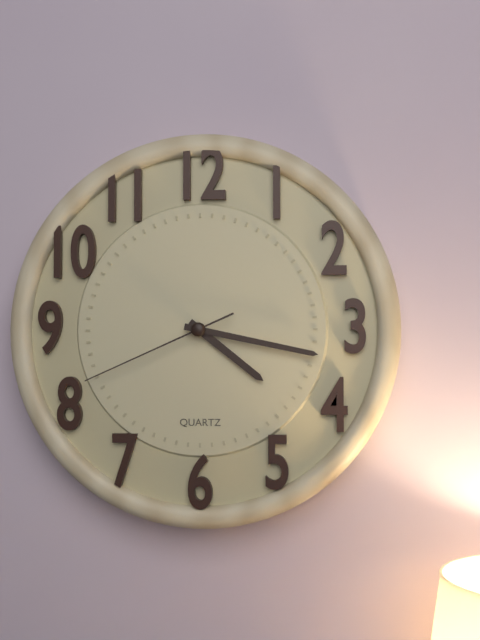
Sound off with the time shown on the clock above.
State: 4:17:41
